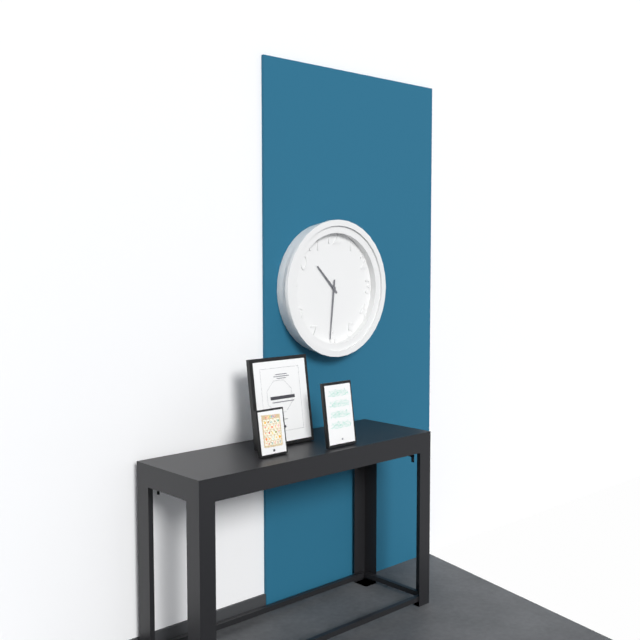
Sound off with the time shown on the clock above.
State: 10:31
